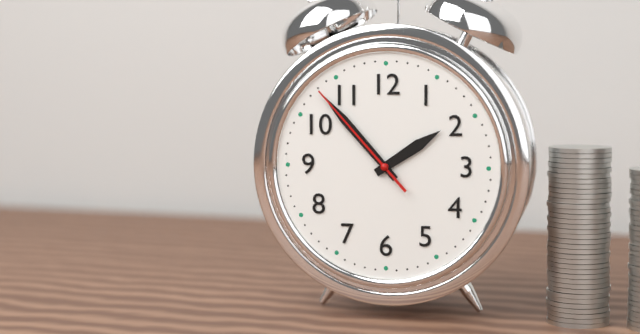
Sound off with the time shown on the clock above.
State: 1:53:53
